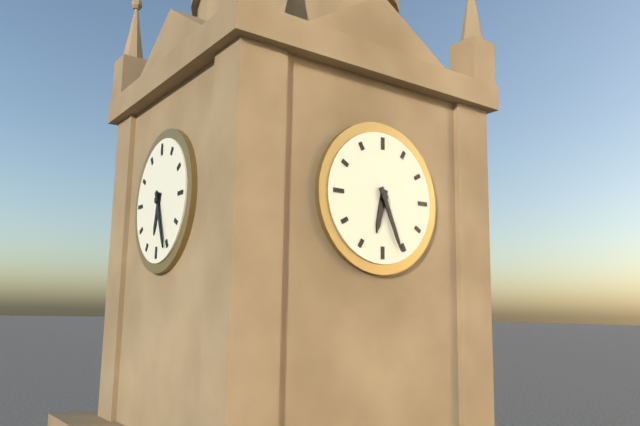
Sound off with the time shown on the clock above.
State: 6:26
